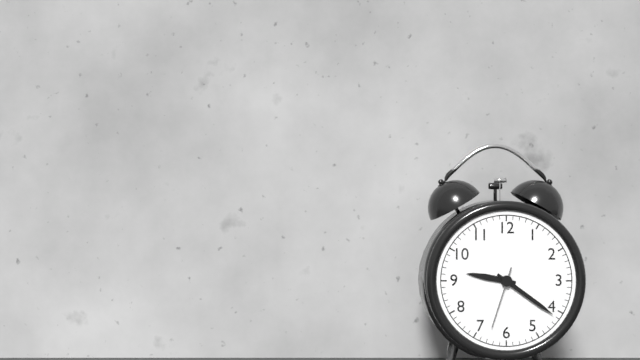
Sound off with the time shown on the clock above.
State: 9:21:33
